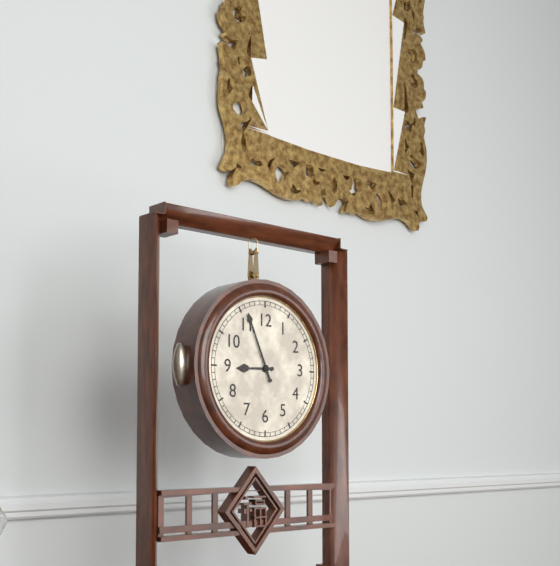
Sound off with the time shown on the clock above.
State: 8:56
